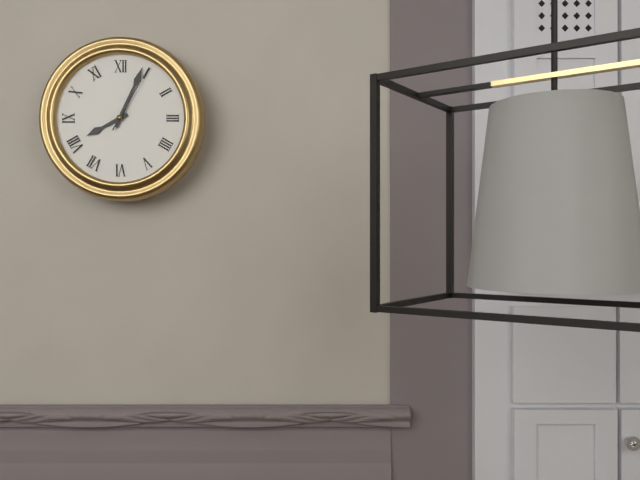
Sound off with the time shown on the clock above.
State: 8:04:05
